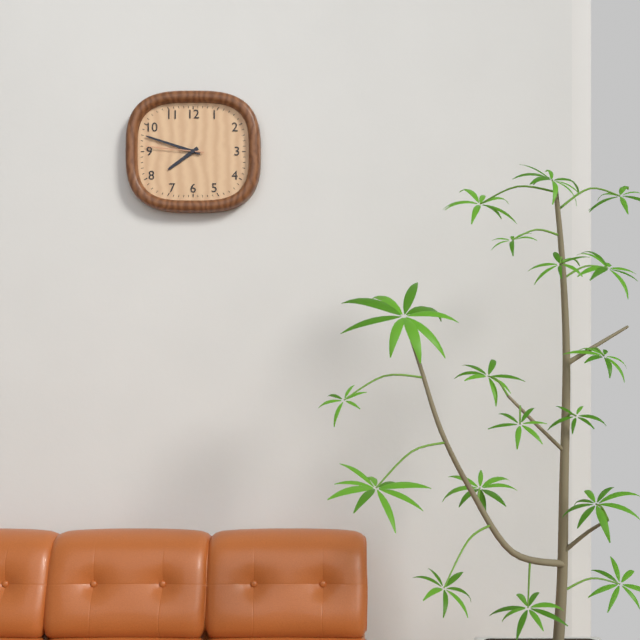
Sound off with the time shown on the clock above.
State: 7:48:46
